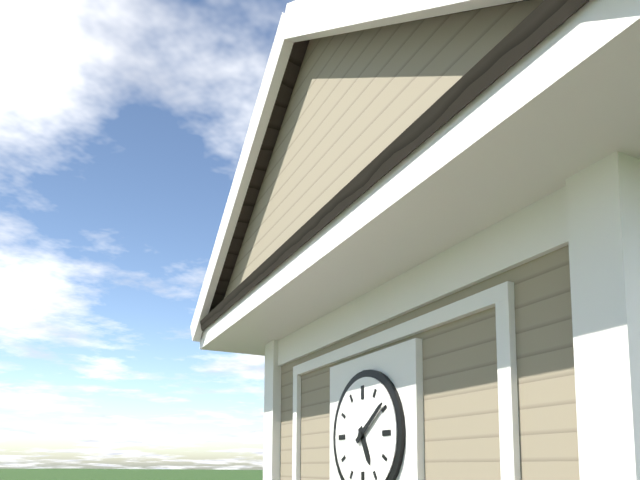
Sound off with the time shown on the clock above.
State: 5:09
